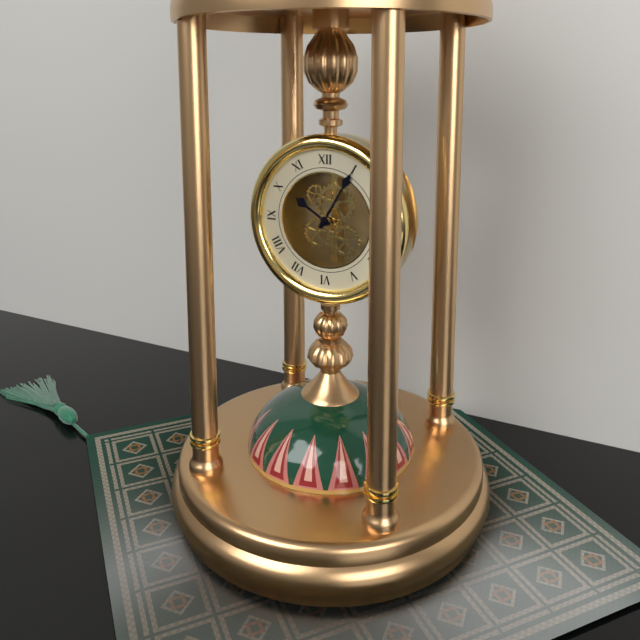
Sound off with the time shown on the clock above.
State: 10:05
